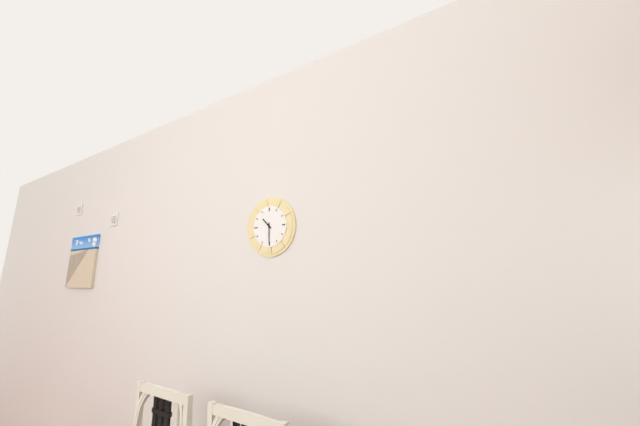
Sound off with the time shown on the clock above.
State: 10:30
